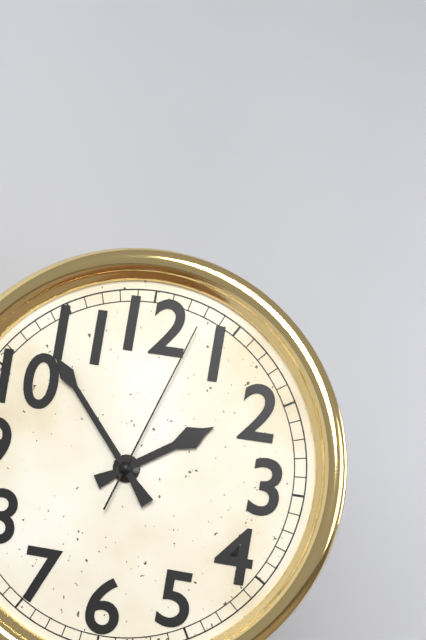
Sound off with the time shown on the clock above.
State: 1:53:03
